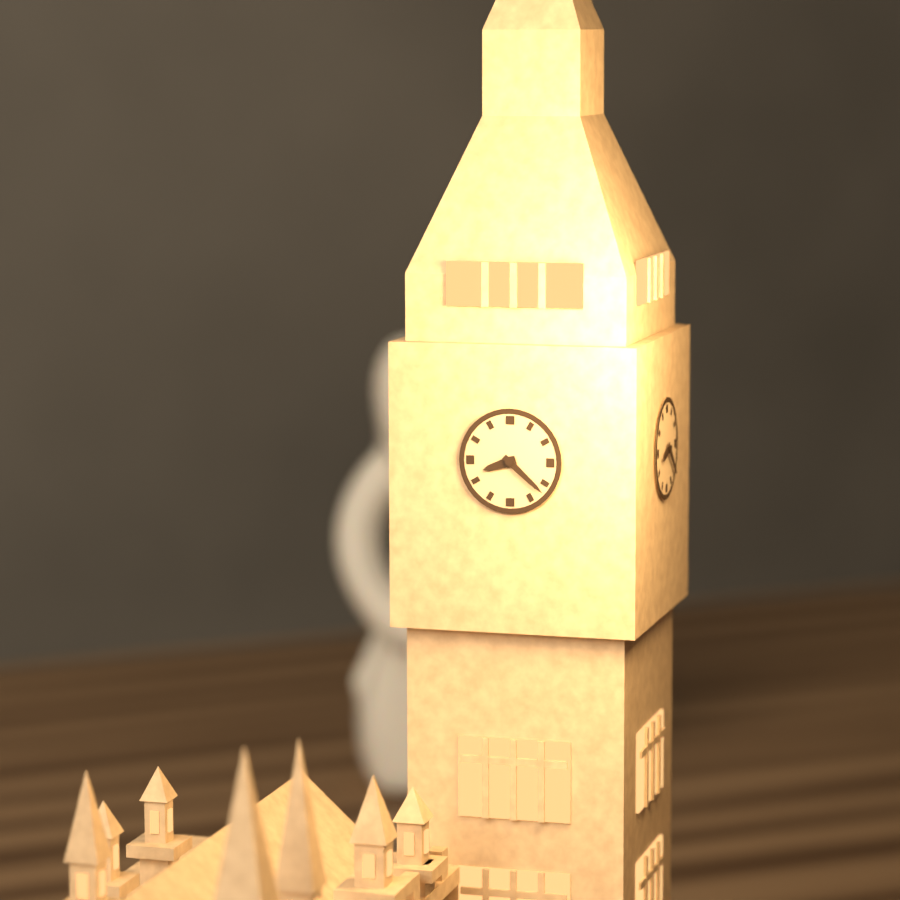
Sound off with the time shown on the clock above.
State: 8:22
